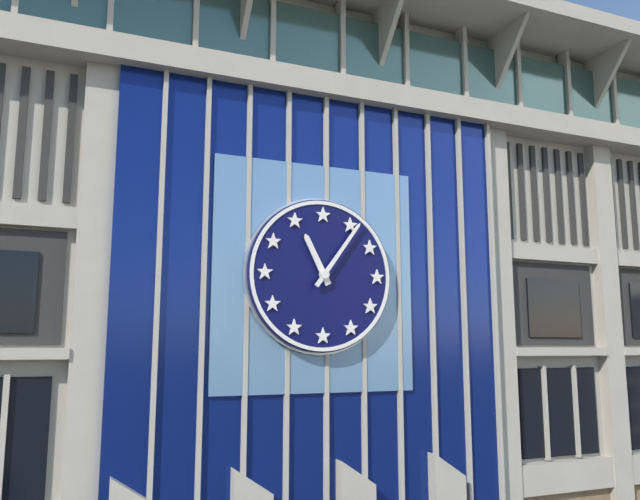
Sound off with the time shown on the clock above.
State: 11:06
